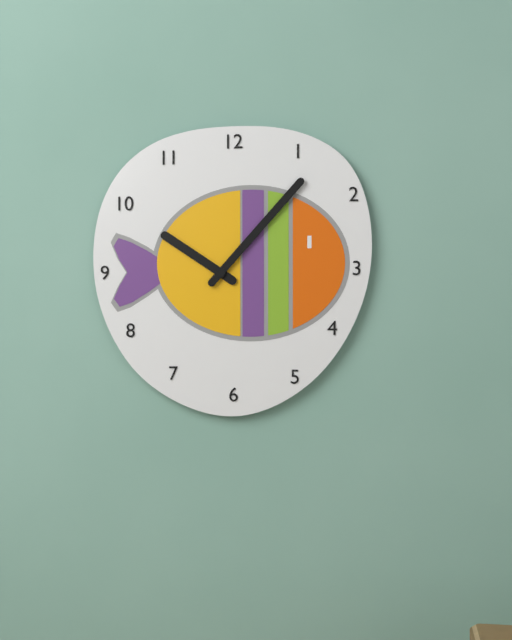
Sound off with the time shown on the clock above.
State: 10:07
